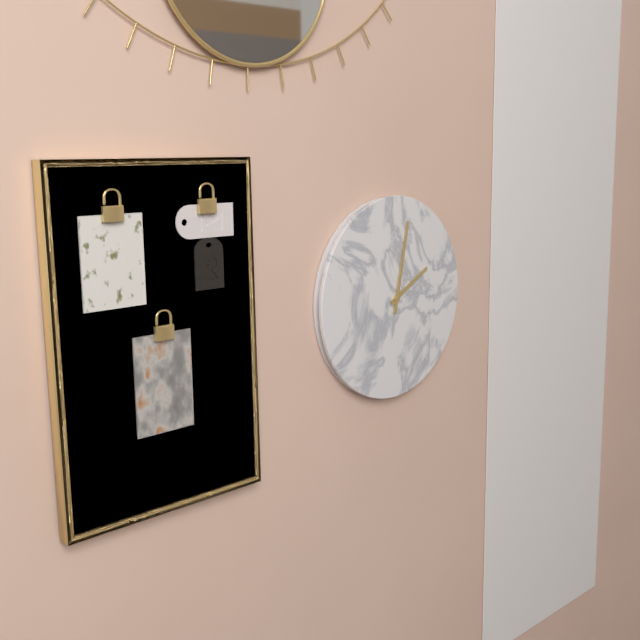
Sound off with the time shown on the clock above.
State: 2:02
